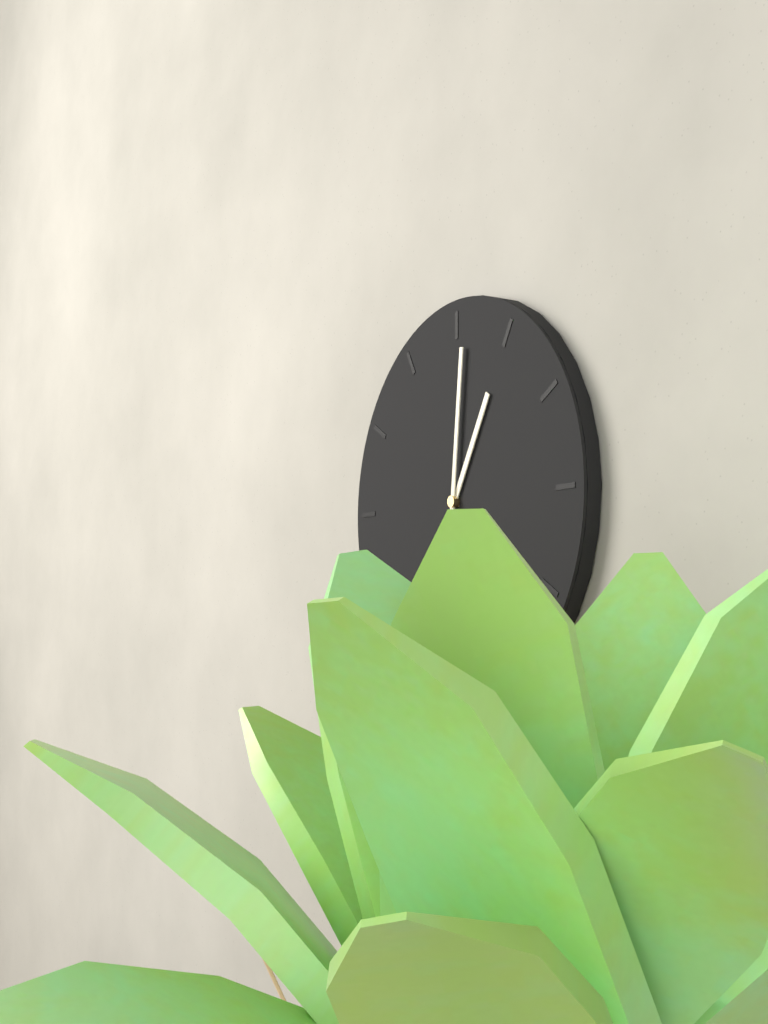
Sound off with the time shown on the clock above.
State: 1:01
